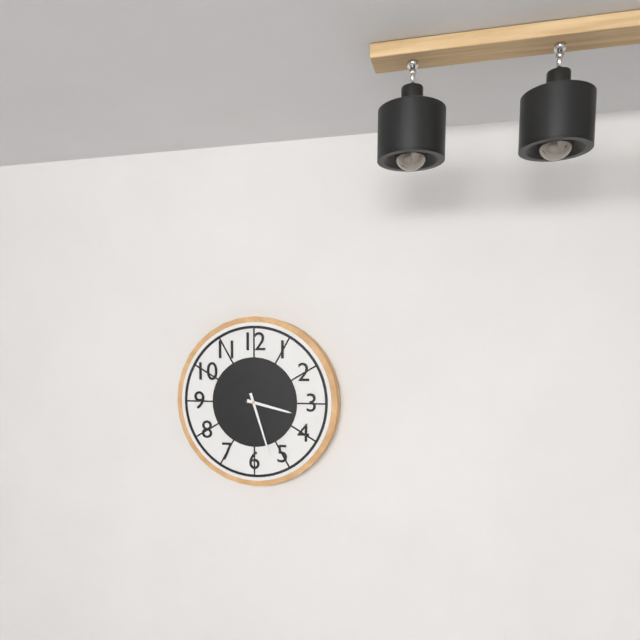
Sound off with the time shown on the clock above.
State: 3:27
